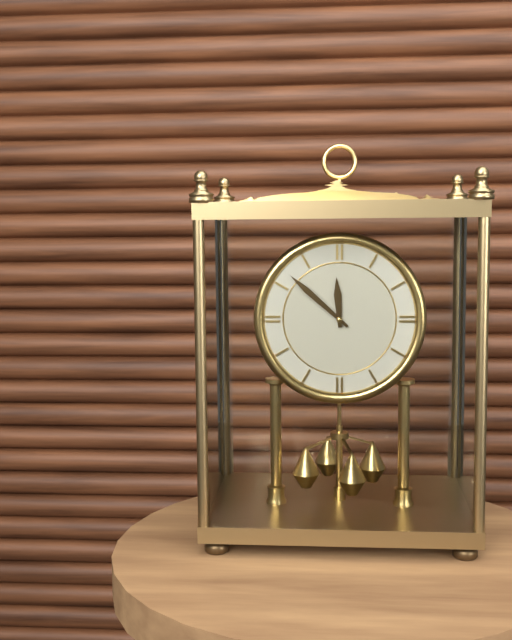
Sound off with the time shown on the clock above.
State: 11:52
